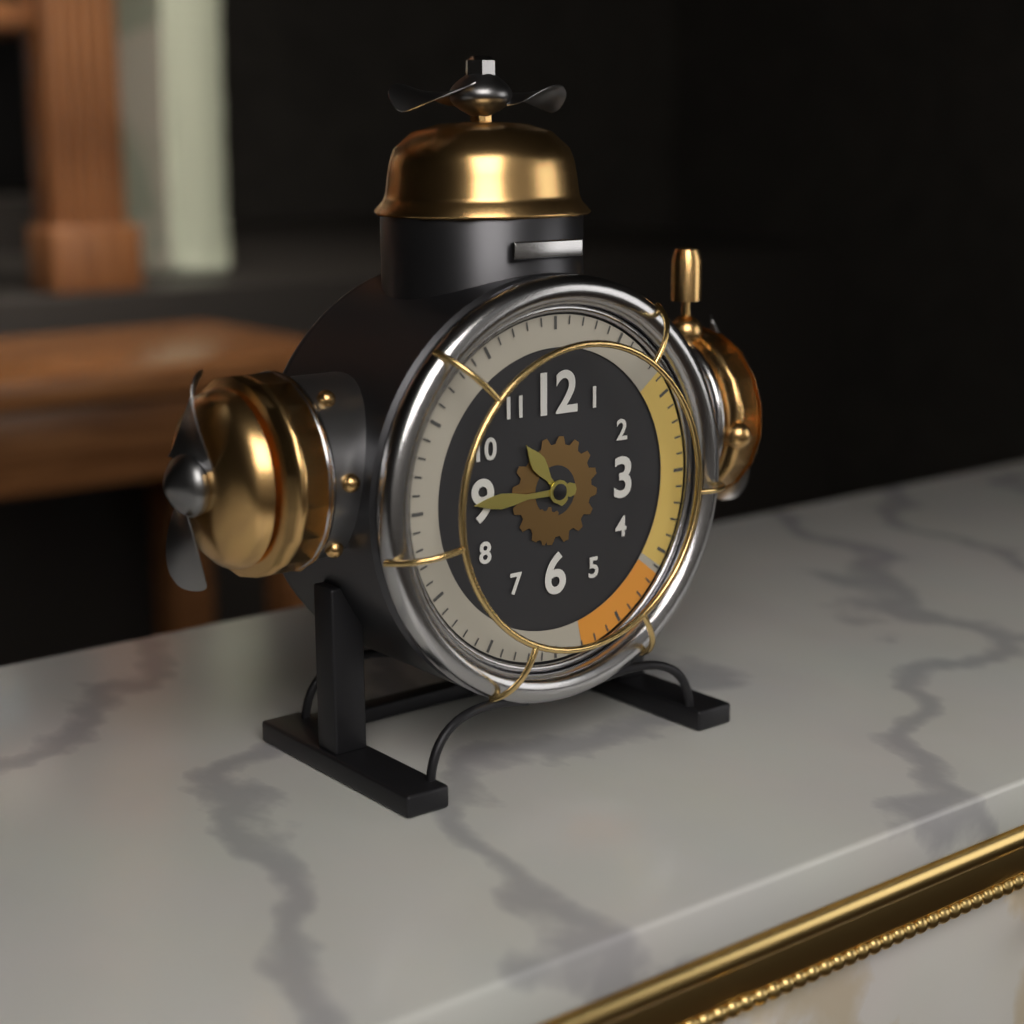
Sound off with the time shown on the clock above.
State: 10:45
